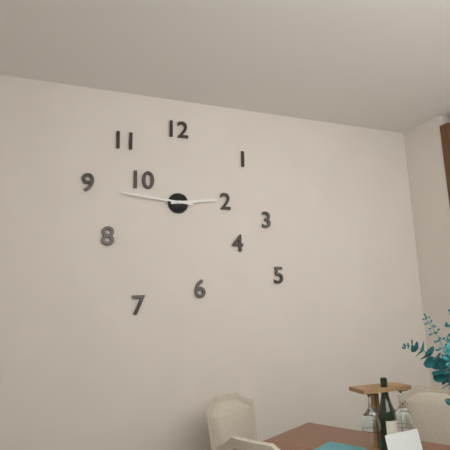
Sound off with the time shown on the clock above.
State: 2:46
